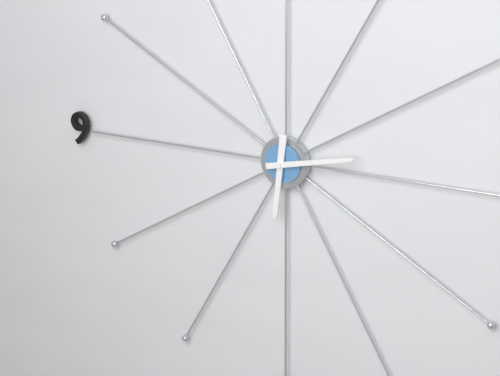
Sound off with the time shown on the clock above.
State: 6:13
